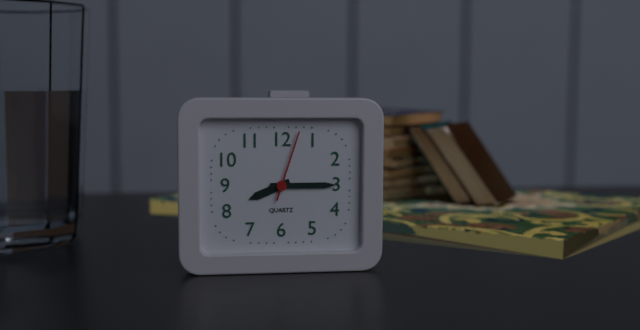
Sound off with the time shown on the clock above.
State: 8:15:03
